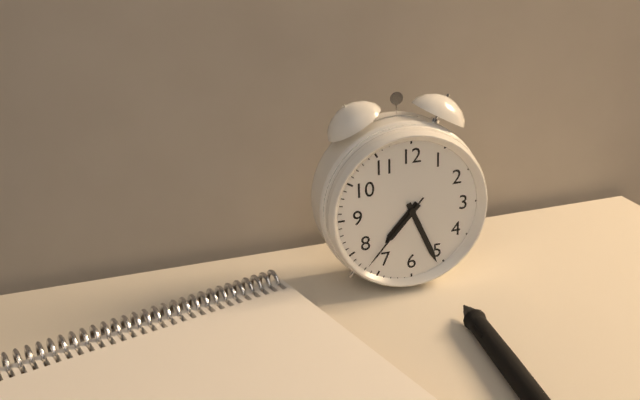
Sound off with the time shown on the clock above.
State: 7:26:37
